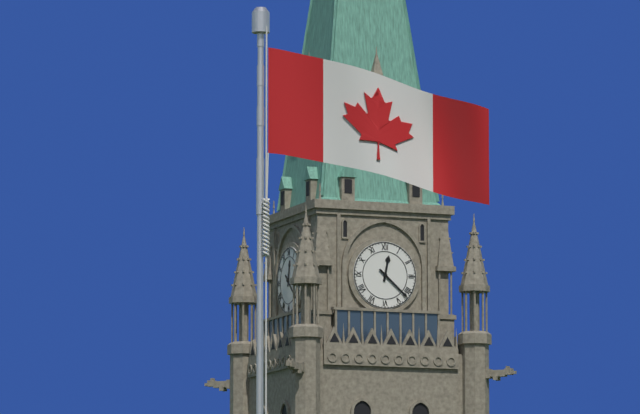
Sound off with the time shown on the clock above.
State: 12:22
